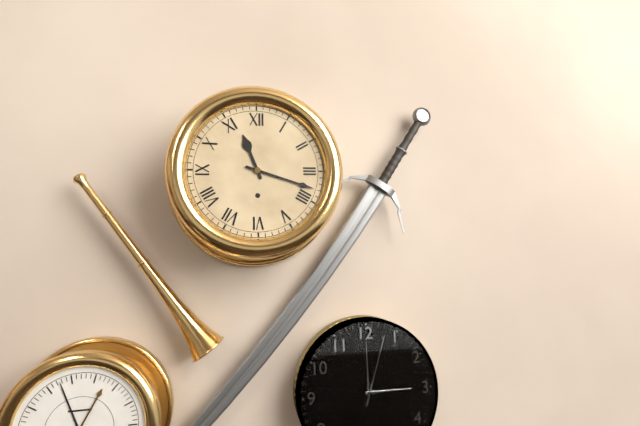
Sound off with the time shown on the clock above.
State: 11:18
